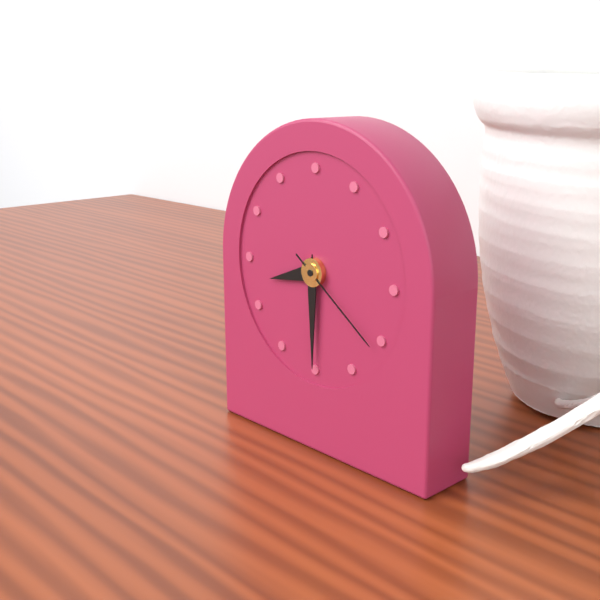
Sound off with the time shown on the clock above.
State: 8:30:21
